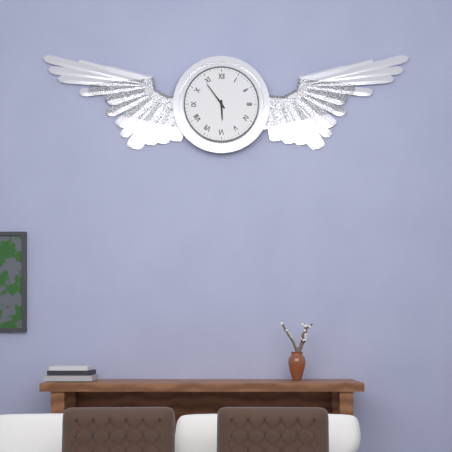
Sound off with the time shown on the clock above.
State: 5:54
